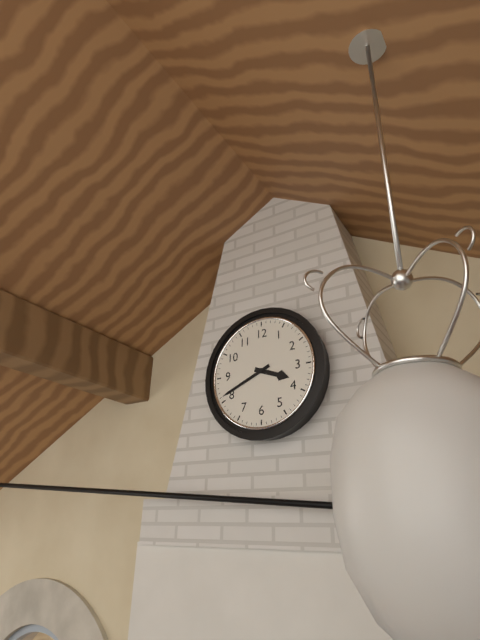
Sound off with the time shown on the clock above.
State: 3:41
